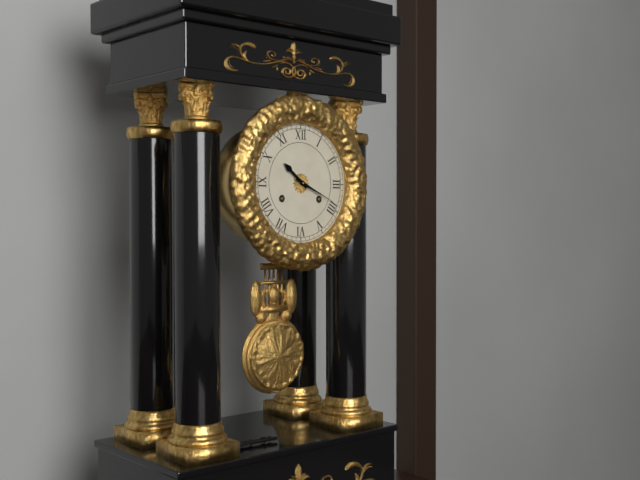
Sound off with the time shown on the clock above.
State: 10:19
